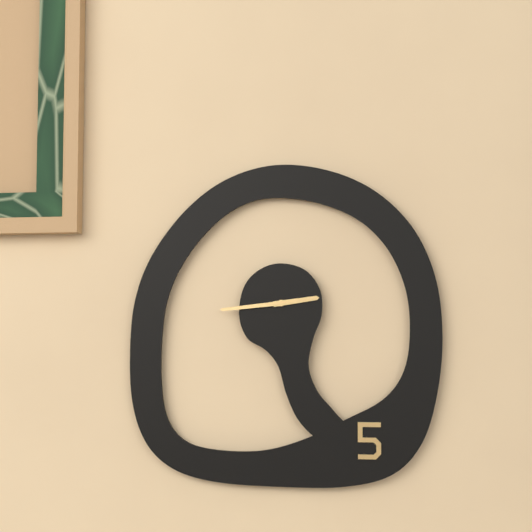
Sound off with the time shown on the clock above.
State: 2:44
